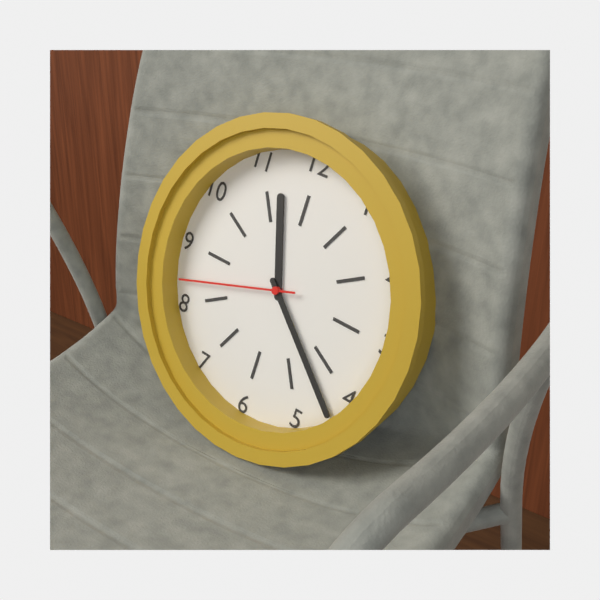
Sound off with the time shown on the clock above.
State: 11:22:42
